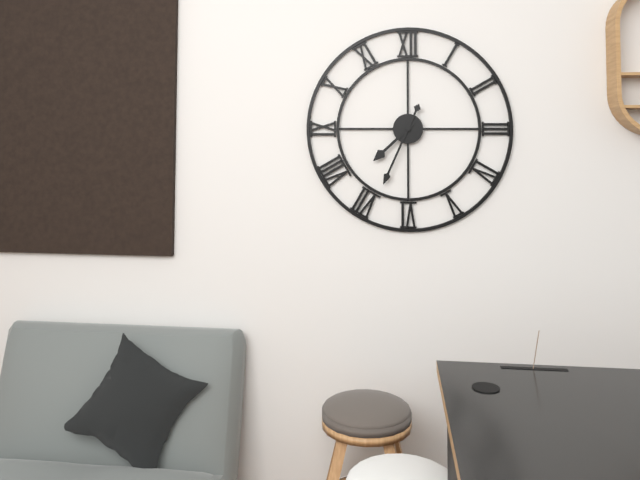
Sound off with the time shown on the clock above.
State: 7:34
